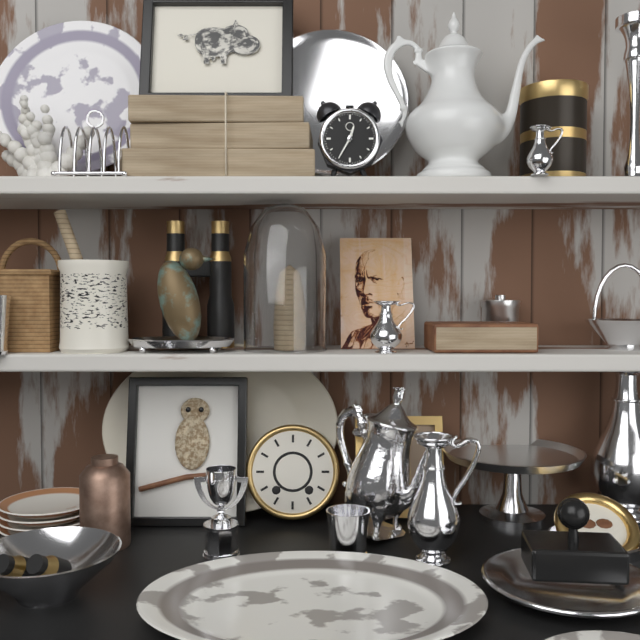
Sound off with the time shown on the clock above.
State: 12:35
